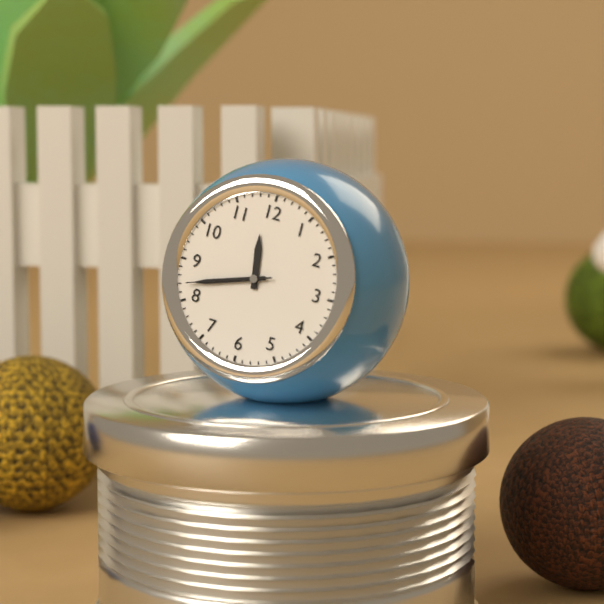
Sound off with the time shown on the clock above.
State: 11:42:42
